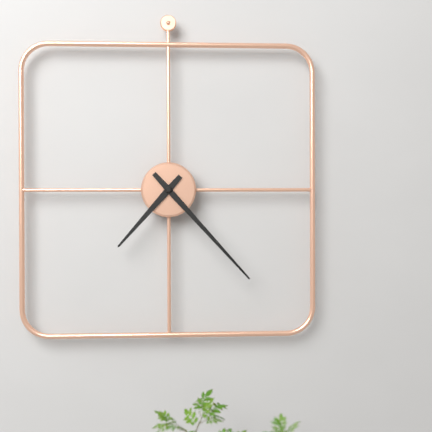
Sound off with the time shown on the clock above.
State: 7:23
